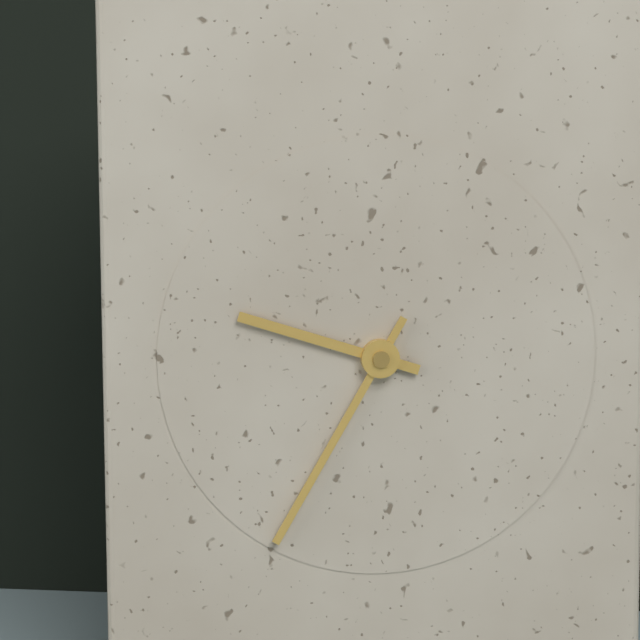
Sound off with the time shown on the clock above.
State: 9:35
